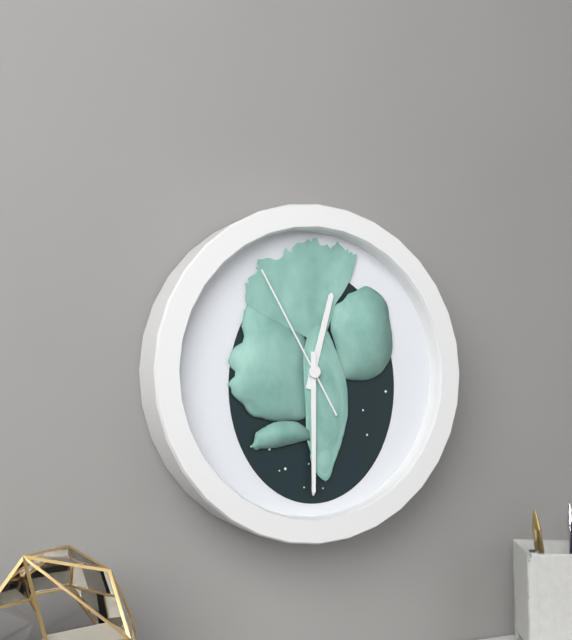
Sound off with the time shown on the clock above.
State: 12:30:55
